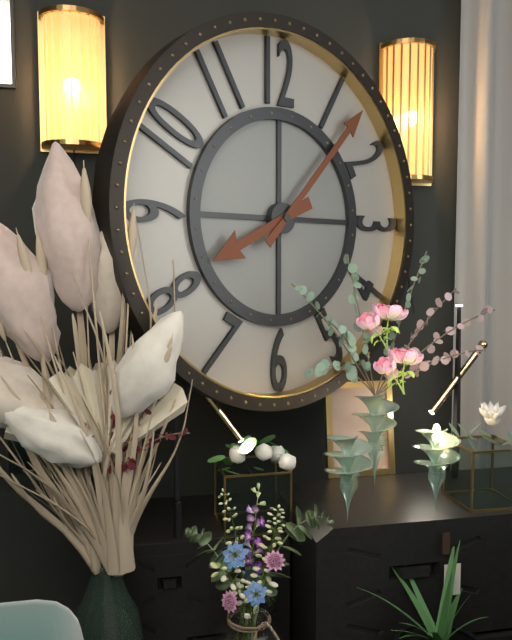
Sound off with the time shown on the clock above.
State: 8:07
